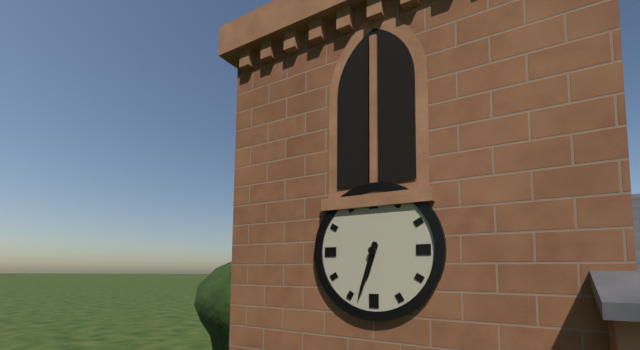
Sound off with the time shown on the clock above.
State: 6:33
